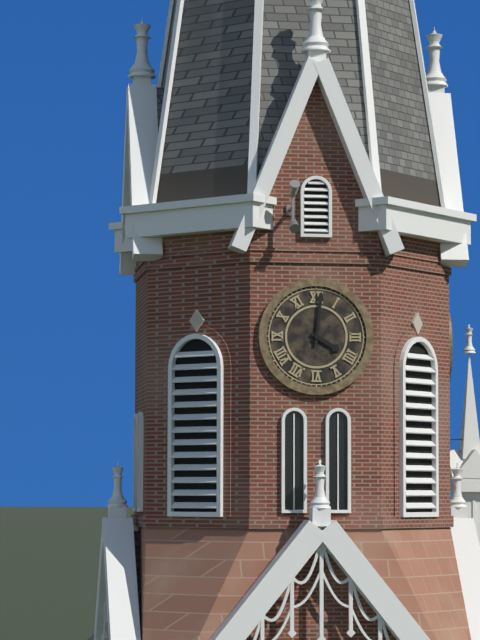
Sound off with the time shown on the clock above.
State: 4:01
